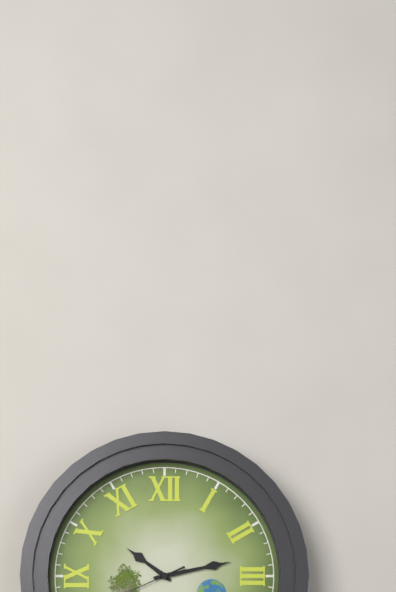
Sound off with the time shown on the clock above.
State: 10:13
